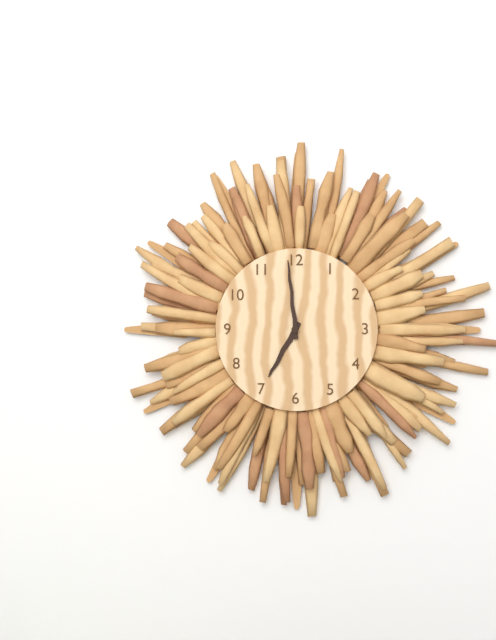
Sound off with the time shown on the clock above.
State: 6:59
